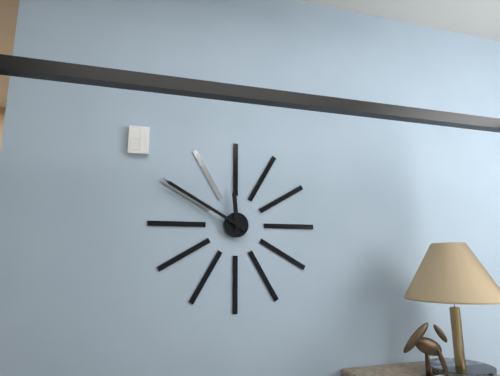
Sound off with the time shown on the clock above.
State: 11:50
